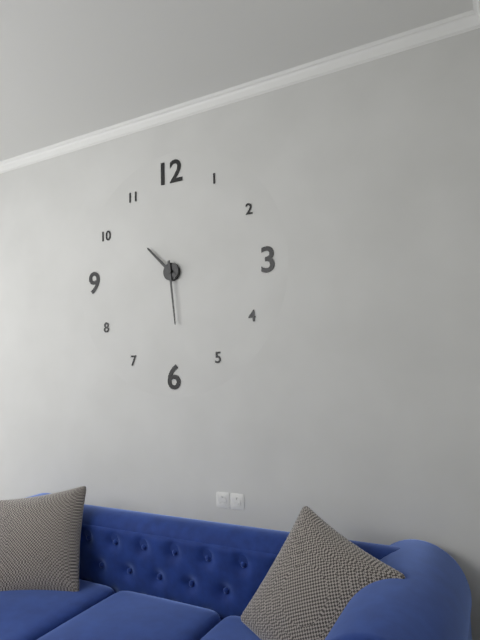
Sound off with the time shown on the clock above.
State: 10:29
